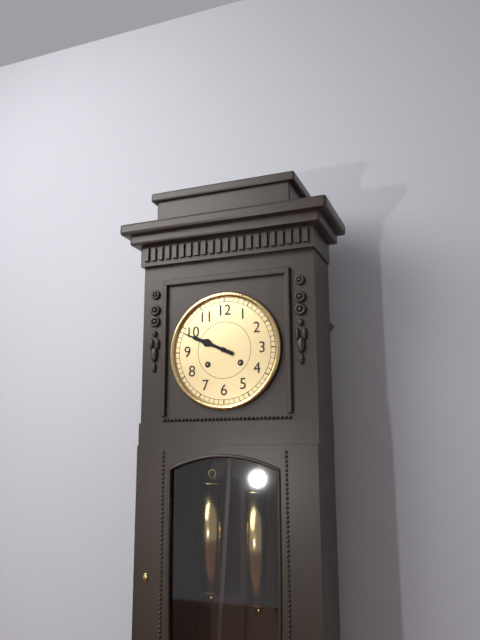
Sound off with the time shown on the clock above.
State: 9:49
